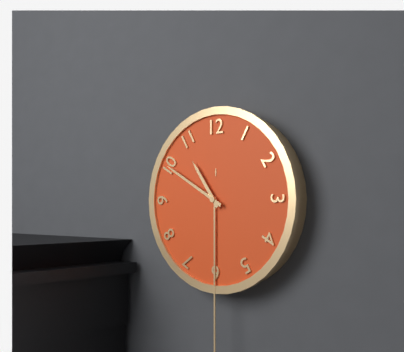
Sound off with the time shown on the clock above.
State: 10:50
